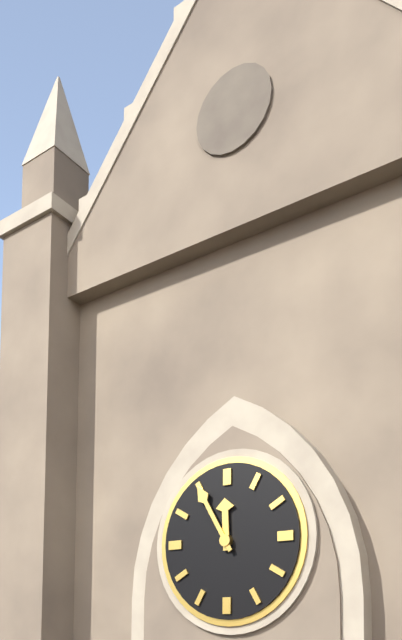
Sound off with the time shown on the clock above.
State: 11:55
